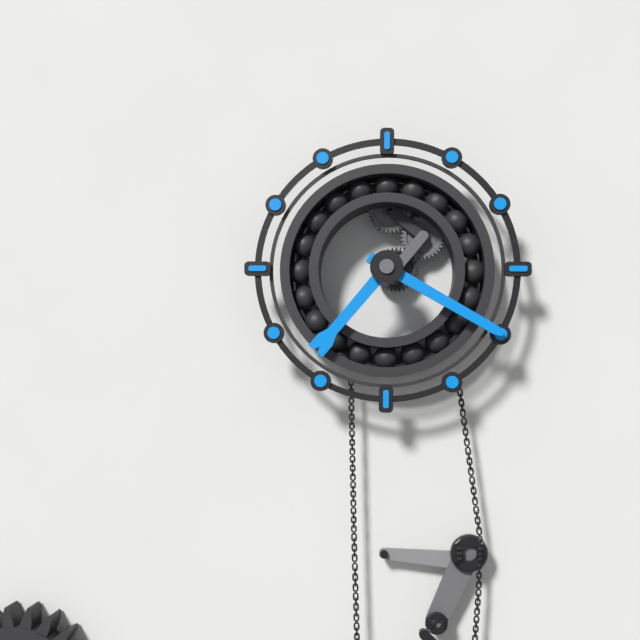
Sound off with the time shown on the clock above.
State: 7:20
